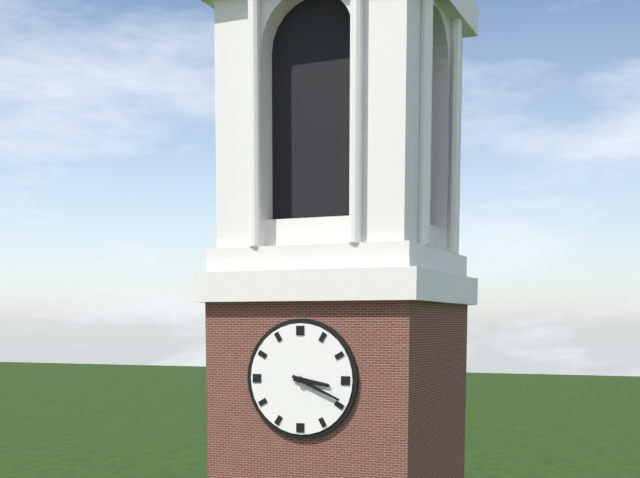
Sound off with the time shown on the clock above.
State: 3:19
